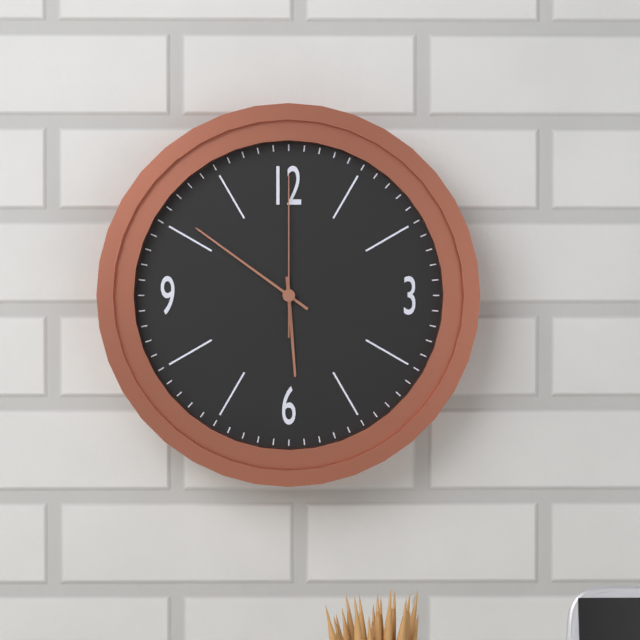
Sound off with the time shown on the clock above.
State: 5:51:00
